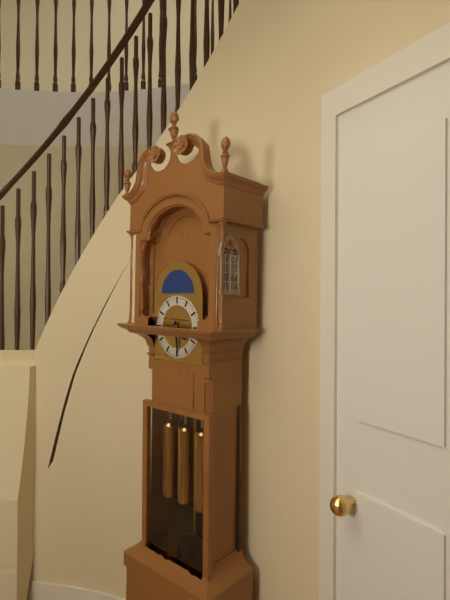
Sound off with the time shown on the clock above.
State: 4:29
